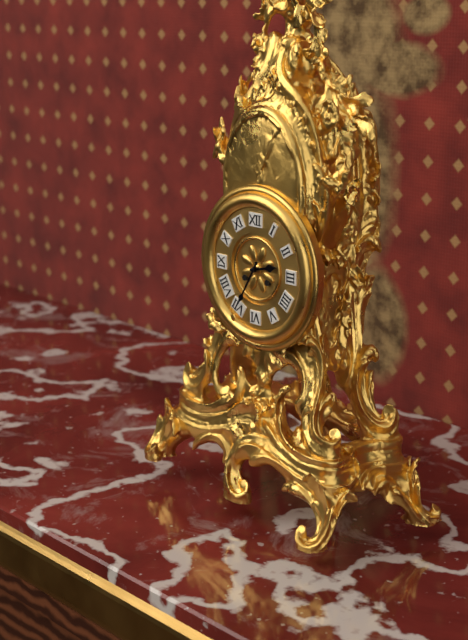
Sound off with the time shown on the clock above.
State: 2:35
